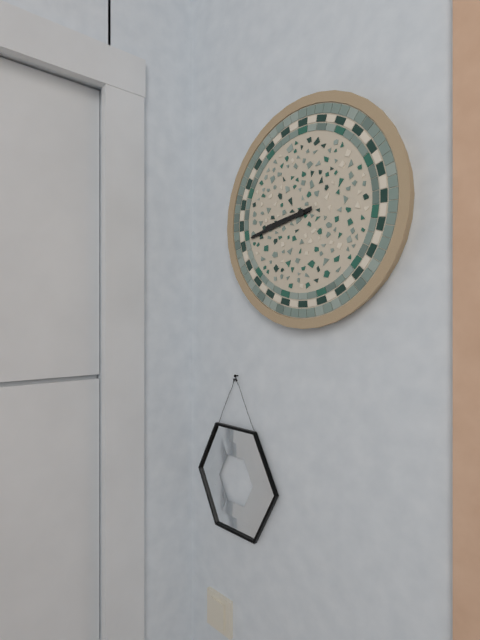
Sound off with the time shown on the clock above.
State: 8:43
